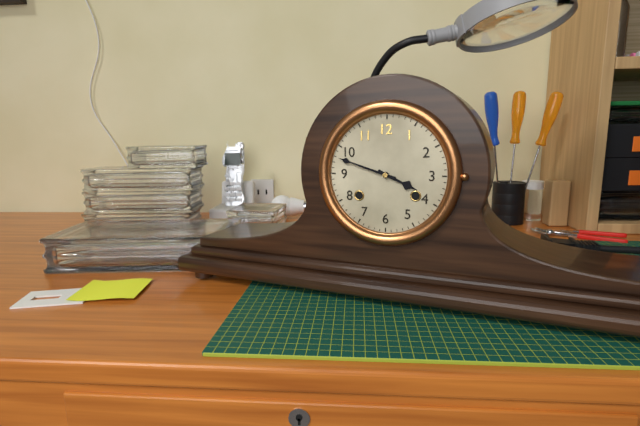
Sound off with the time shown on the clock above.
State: 3:48
